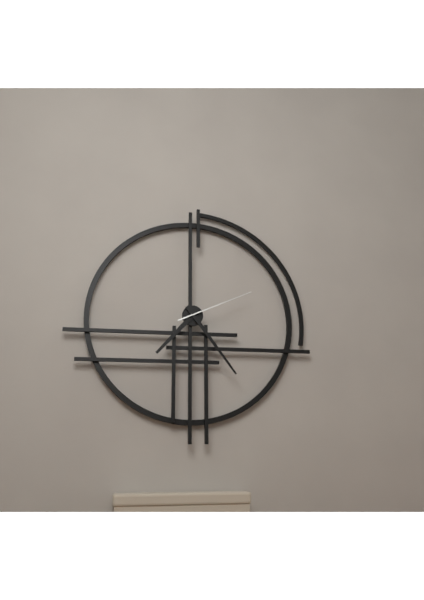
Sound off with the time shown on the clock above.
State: 7:24:11
